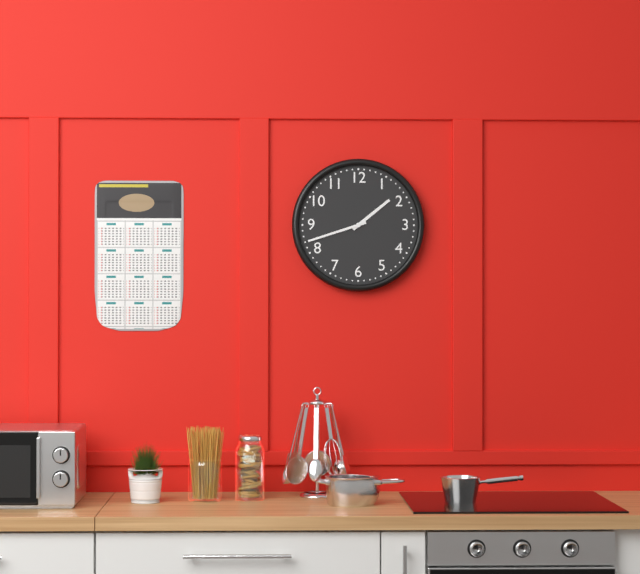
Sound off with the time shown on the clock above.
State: 1:42
